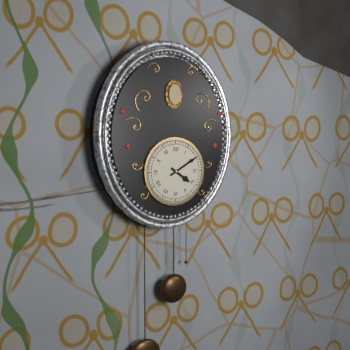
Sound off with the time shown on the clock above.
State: 4:10
